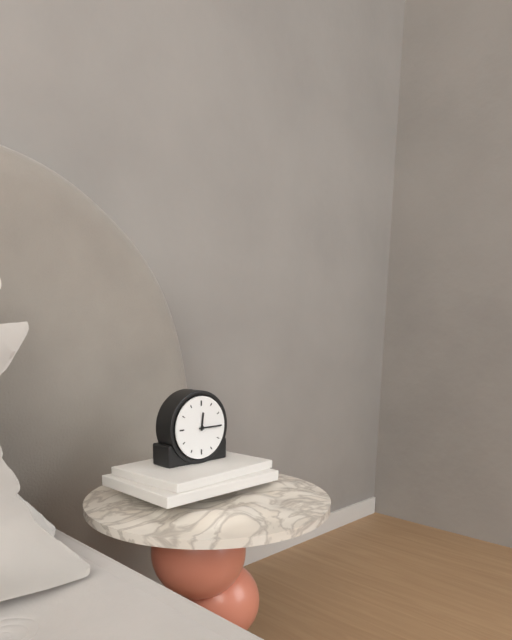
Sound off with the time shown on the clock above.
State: 12:15
